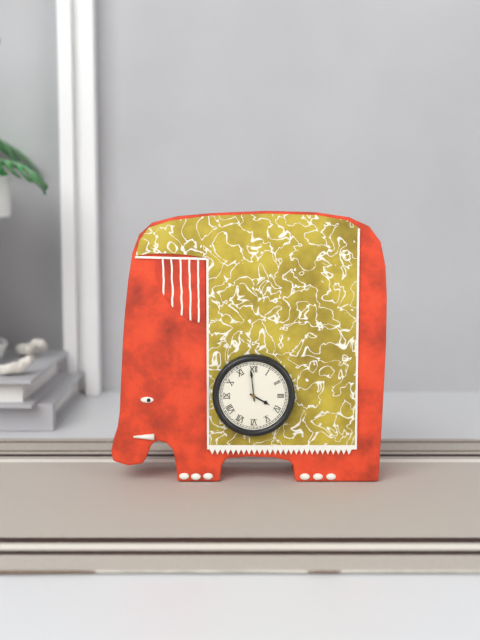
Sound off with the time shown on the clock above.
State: 3:59
